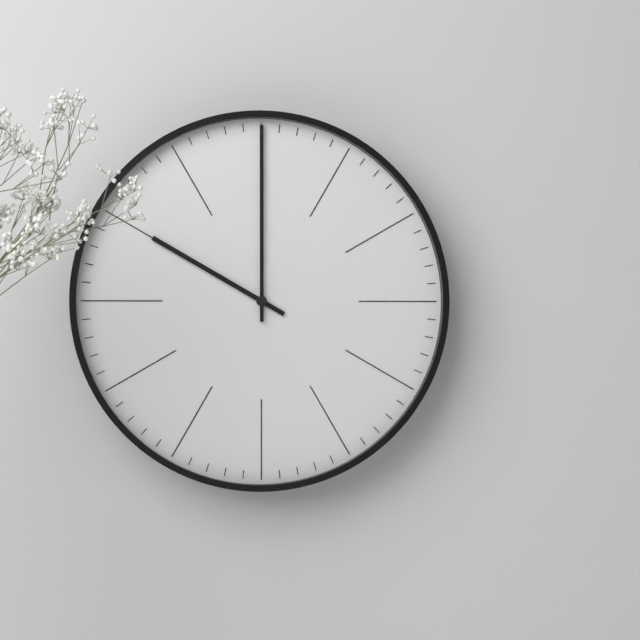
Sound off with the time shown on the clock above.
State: 10:00
